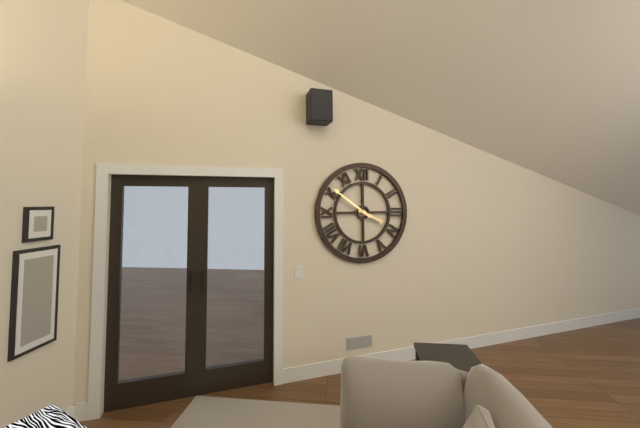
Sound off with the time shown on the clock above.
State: 3:51
